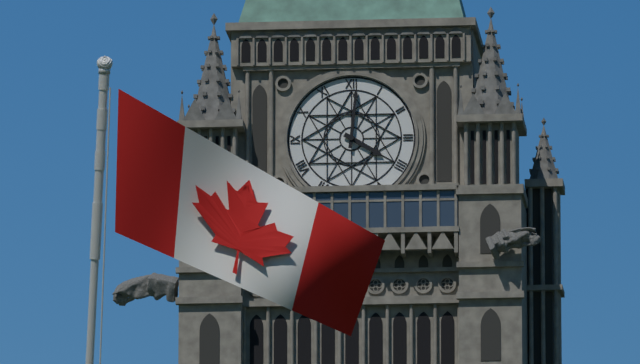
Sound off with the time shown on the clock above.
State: 4:01
